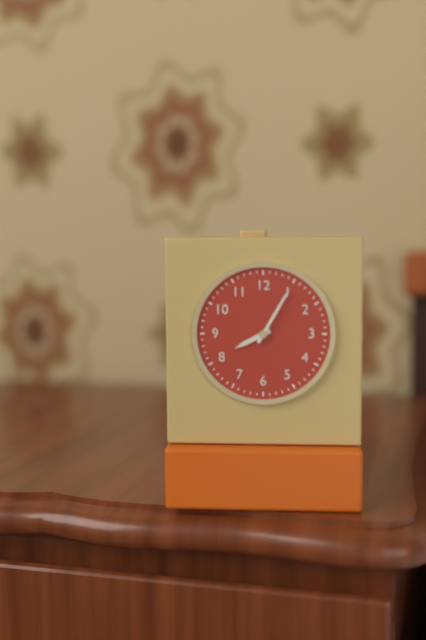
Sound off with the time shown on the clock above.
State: 8:05
